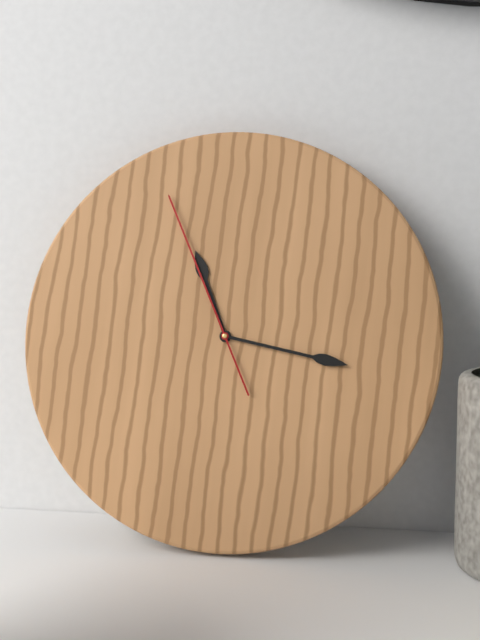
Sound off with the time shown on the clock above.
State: 11:17:56
